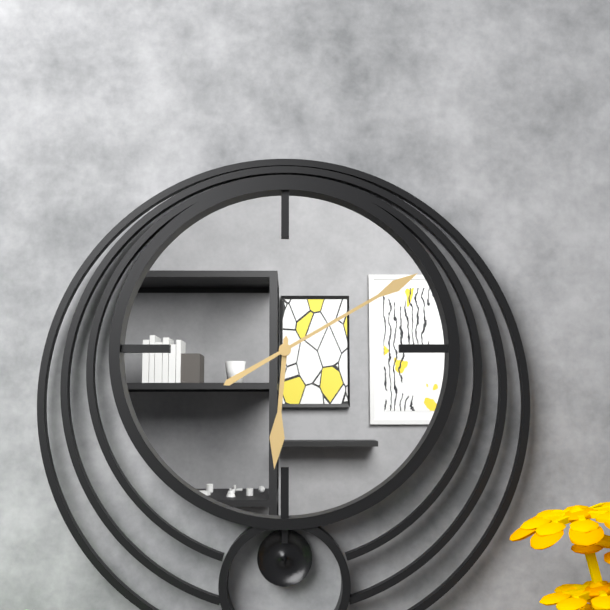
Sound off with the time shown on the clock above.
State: 6:10
